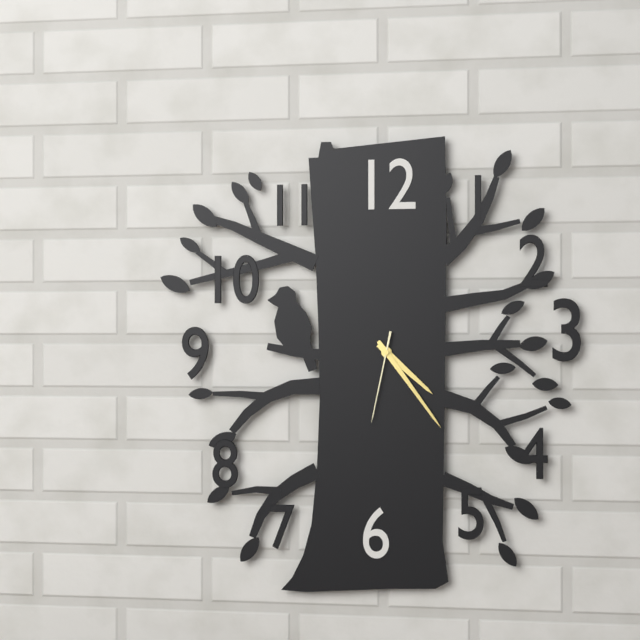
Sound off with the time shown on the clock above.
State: 4:24:32
